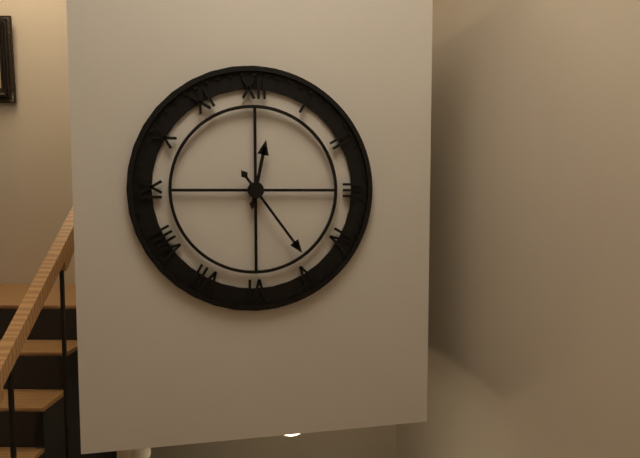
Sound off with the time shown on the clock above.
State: 12:24
